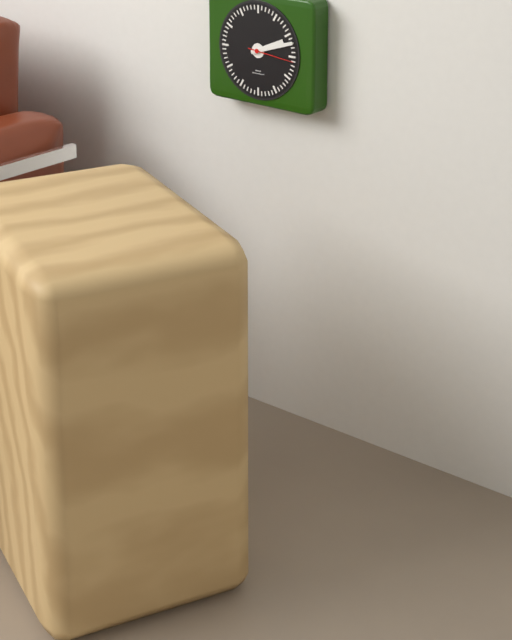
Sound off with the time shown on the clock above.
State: 2:12
